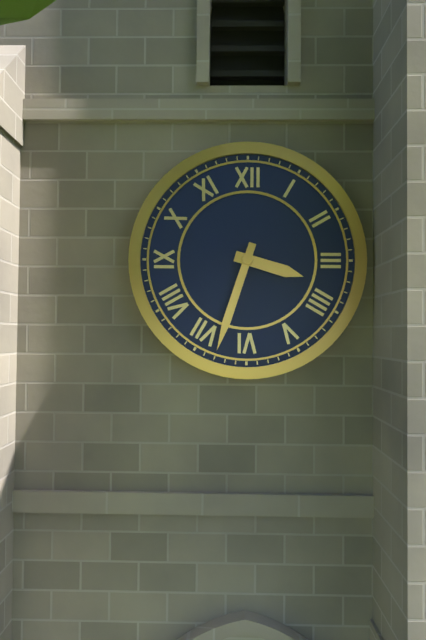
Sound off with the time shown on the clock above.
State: 3:33
